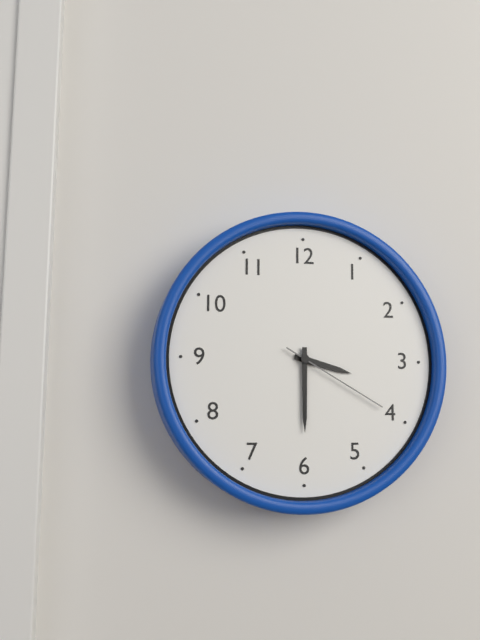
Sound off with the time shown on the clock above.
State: 3:30:20
